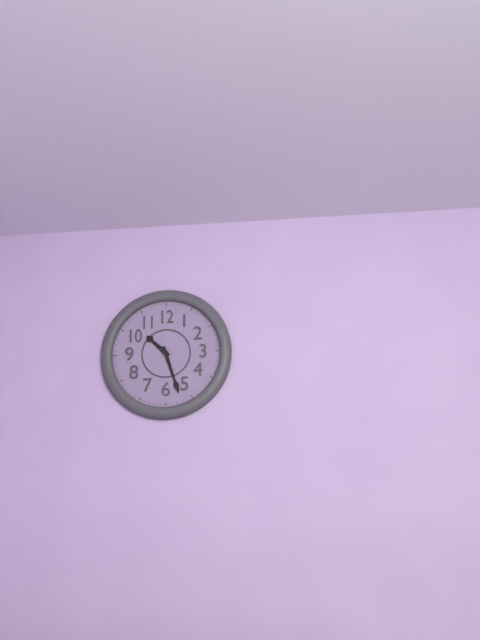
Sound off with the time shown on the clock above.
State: 10:27
